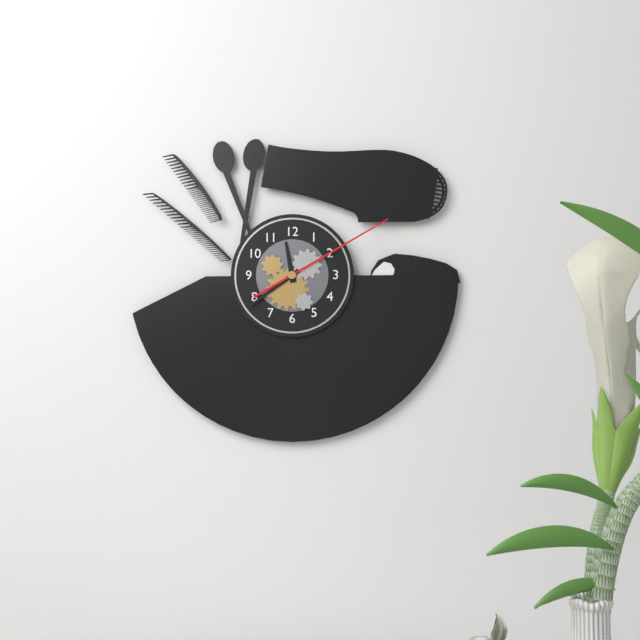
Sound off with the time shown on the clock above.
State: 11:39:10
